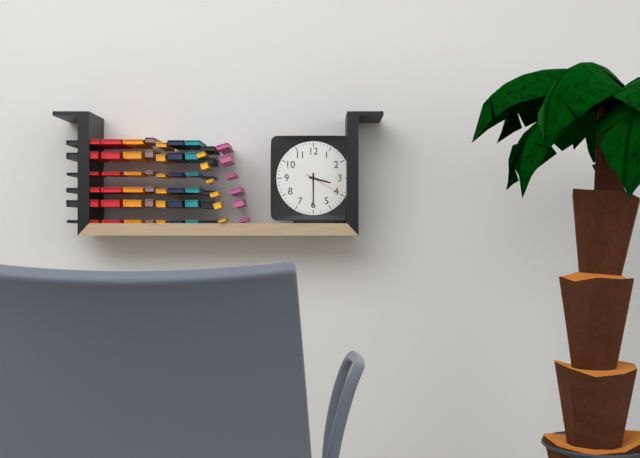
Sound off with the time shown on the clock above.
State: 3:30
